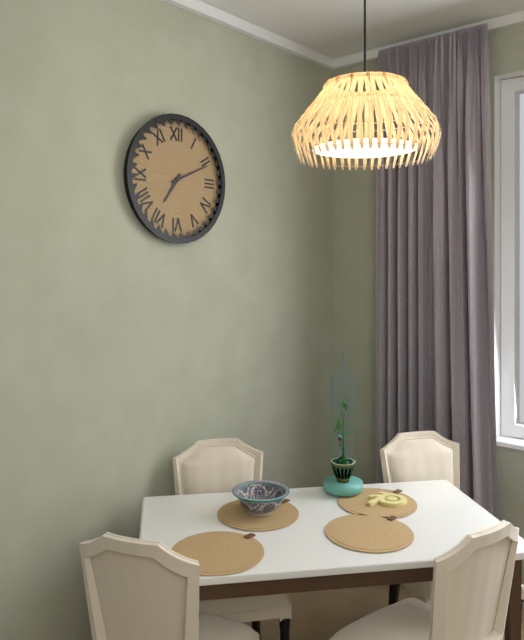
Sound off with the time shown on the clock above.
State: 7:11
